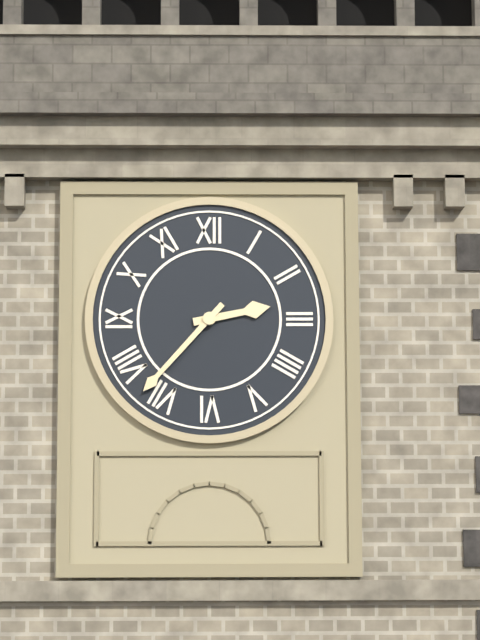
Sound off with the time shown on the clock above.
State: 2:37
